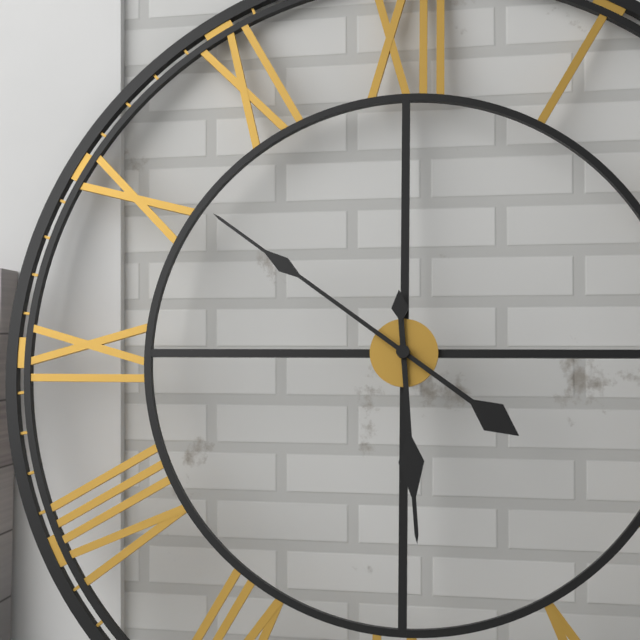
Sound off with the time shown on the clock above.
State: 5:51
